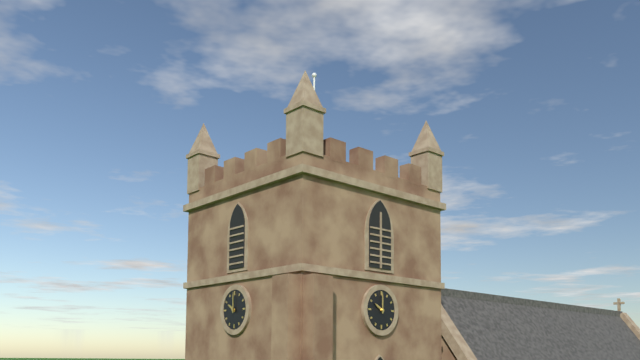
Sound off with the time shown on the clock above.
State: 10:00
